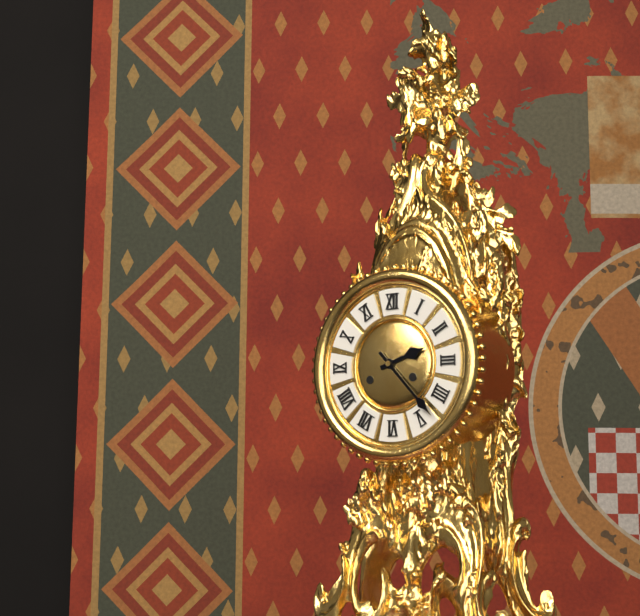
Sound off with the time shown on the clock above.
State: 2:23
